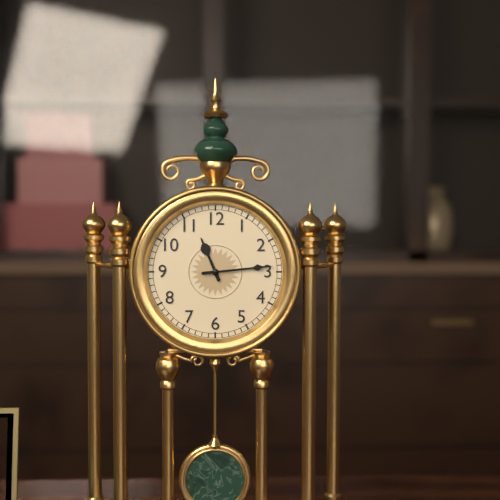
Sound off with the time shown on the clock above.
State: 11:14
